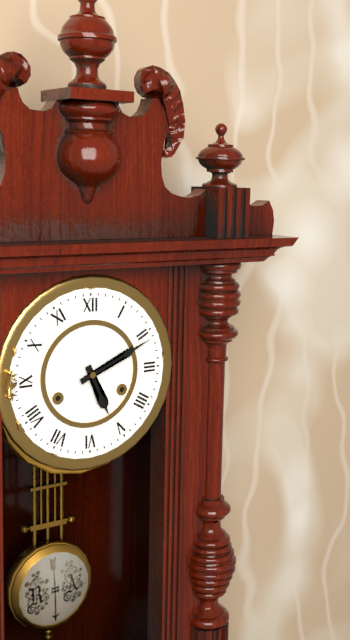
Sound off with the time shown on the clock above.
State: 5:11
